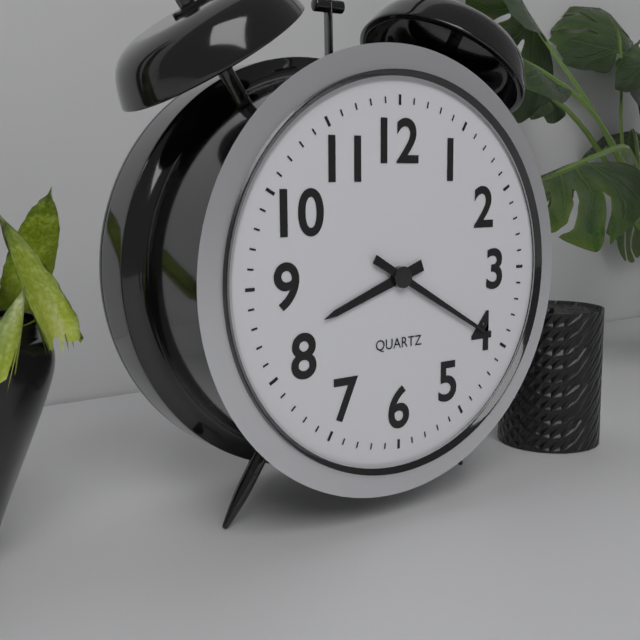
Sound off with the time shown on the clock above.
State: 8:20
